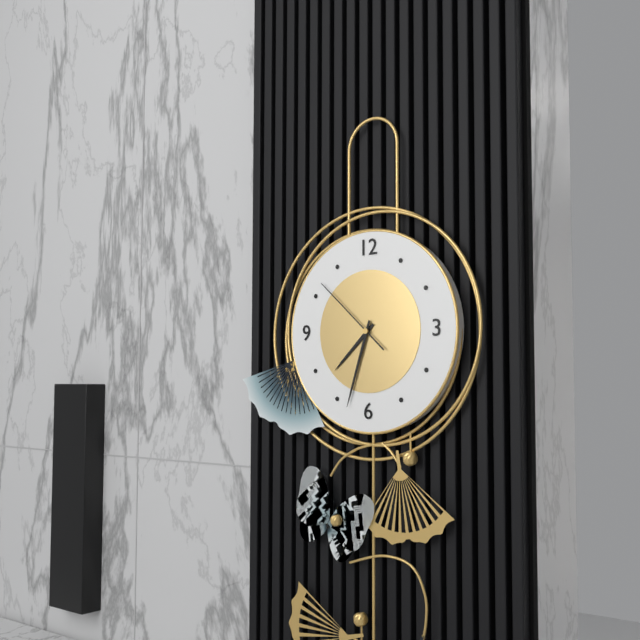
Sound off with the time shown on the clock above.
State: 7:33:52
